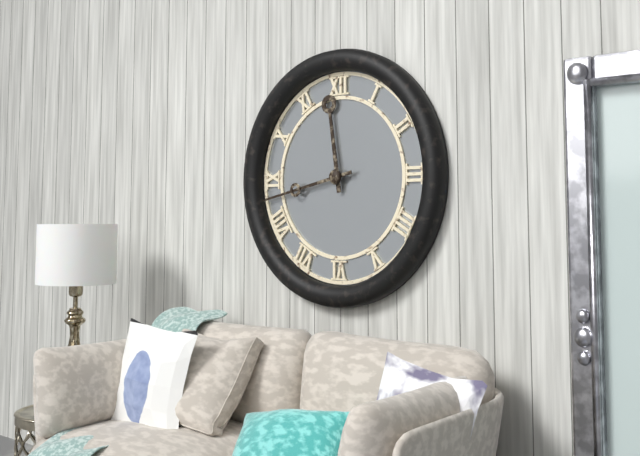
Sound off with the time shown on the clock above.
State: 11:43
